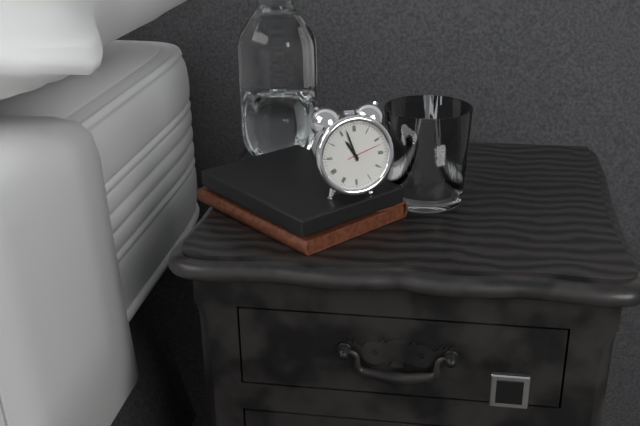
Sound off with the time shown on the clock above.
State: 10:57
